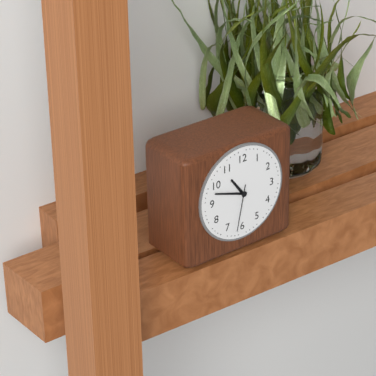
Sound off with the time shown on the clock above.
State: 10:48
